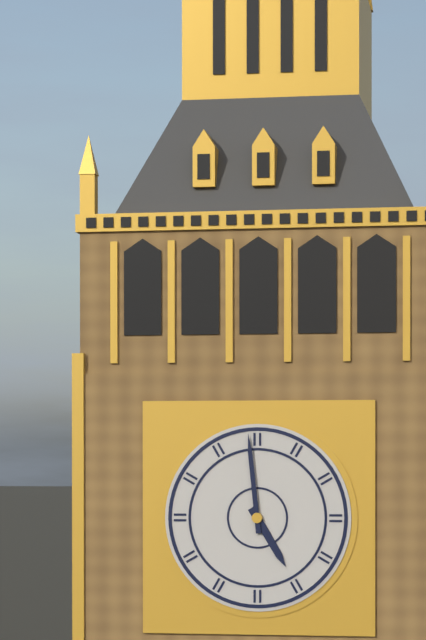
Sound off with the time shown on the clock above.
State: 4:59
